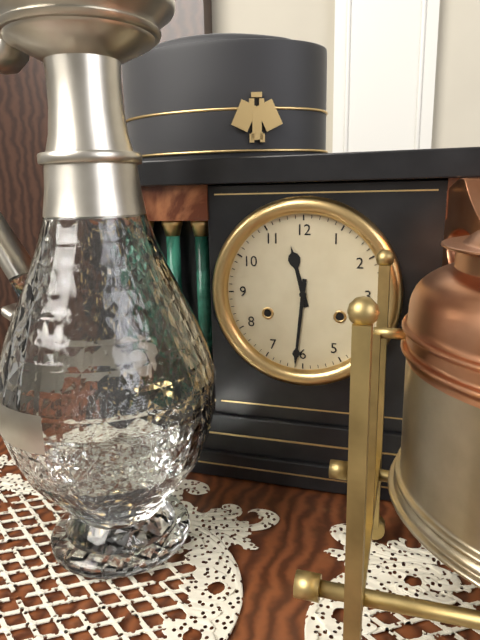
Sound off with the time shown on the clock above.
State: 11:31
